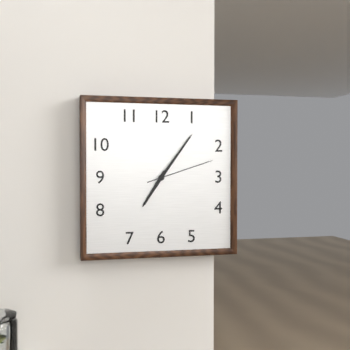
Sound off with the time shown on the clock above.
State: 7:06:12
